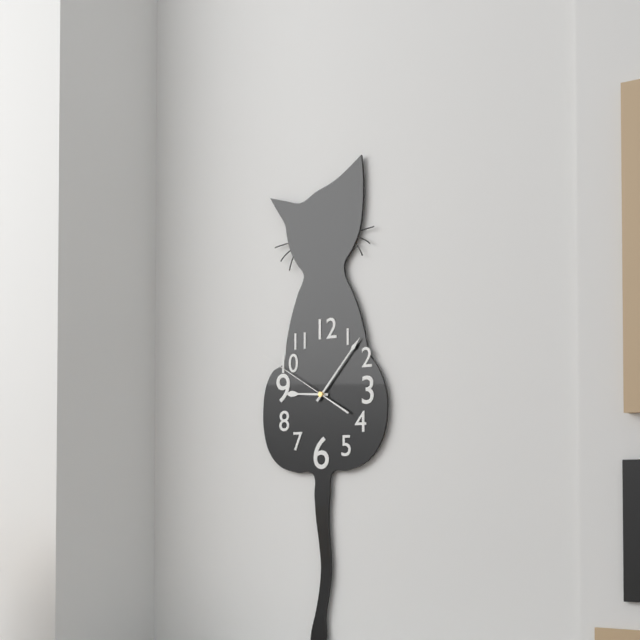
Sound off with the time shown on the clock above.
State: 9:07:50
